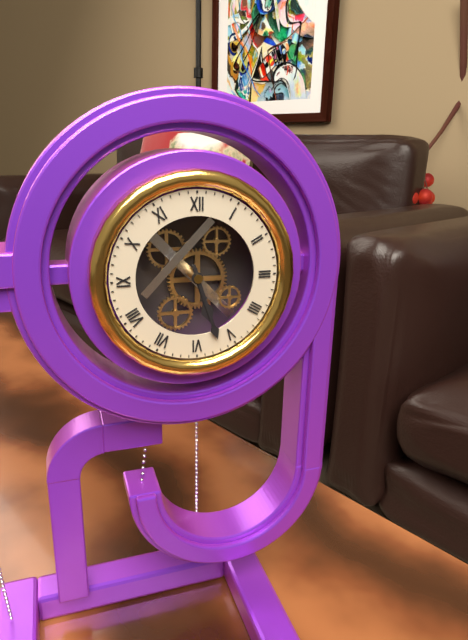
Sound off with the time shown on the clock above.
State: 5:27
